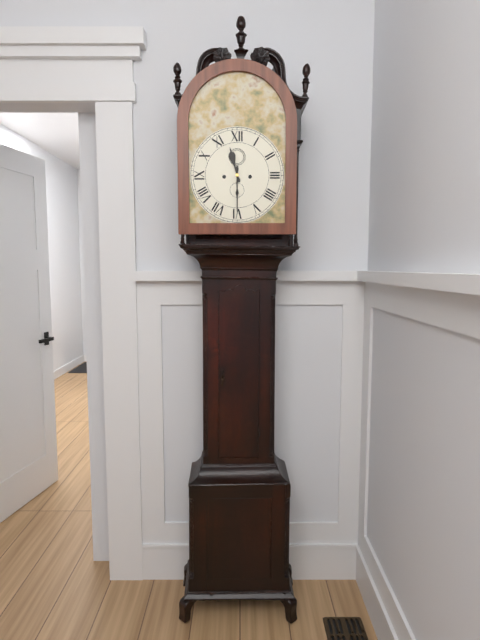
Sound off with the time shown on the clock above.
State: 11:30
